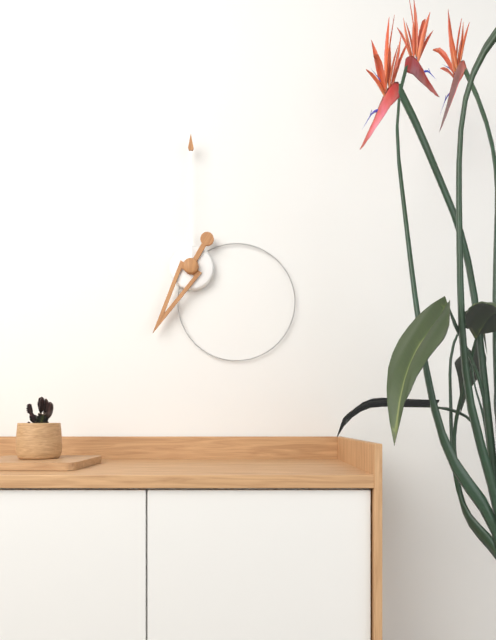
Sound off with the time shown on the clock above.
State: 7:00
